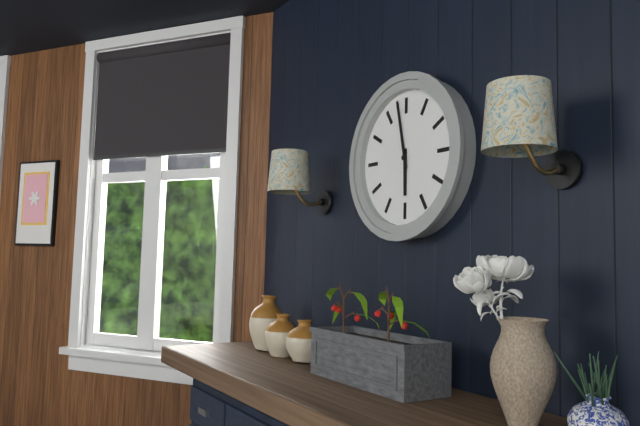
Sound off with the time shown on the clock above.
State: 5:58
